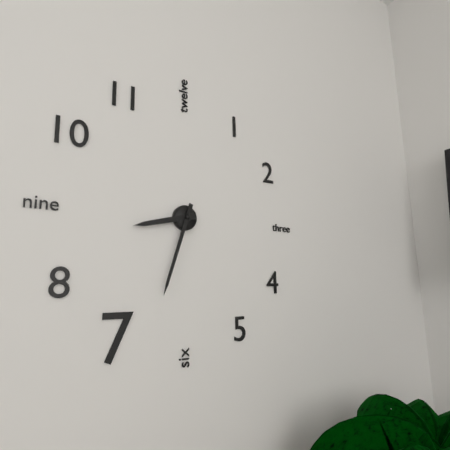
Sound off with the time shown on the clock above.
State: 8:33
